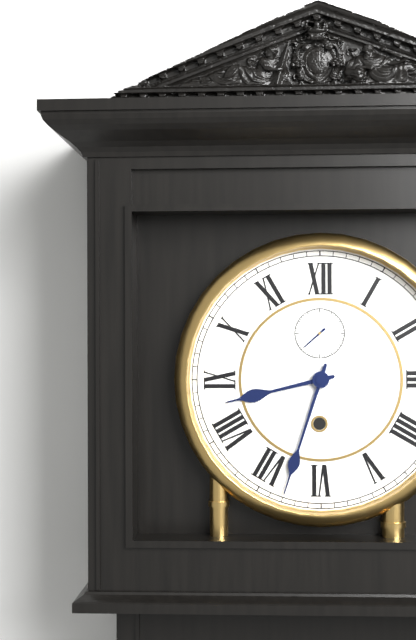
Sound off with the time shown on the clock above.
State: 8:33
